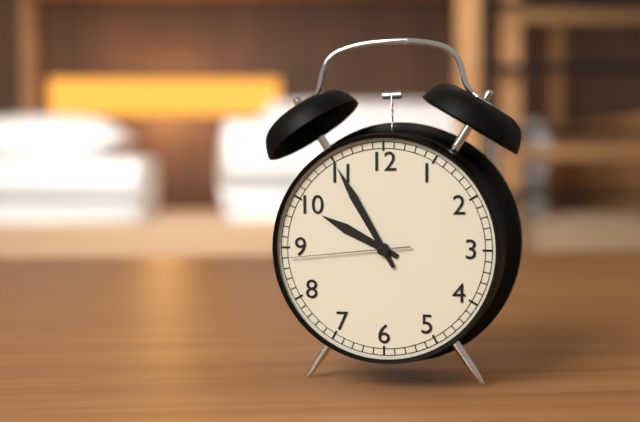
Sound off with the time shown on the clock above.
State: 9:55:44
